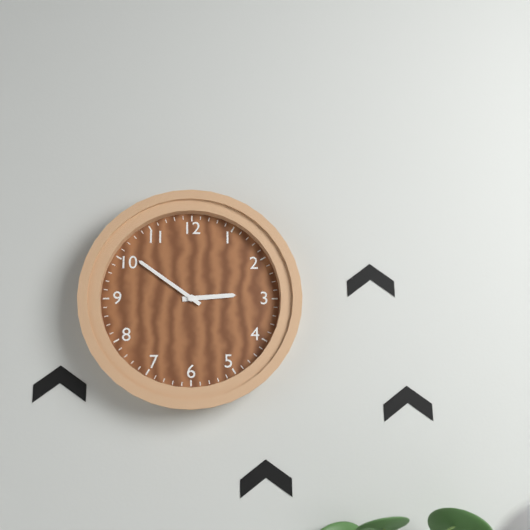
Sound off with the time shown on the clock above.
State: 2:51
